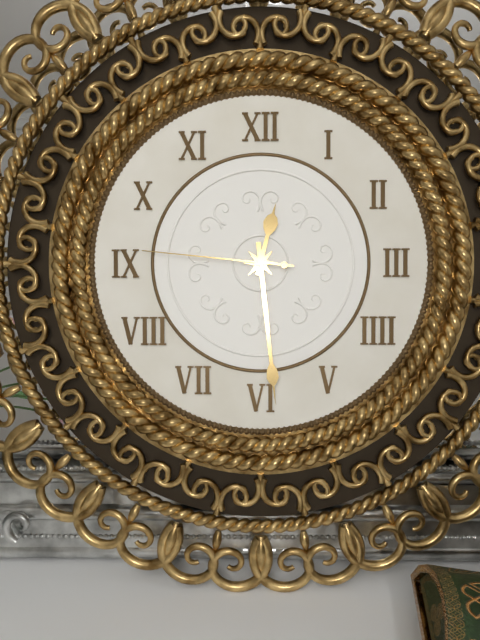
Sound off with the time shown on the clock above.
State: 12:29:46
